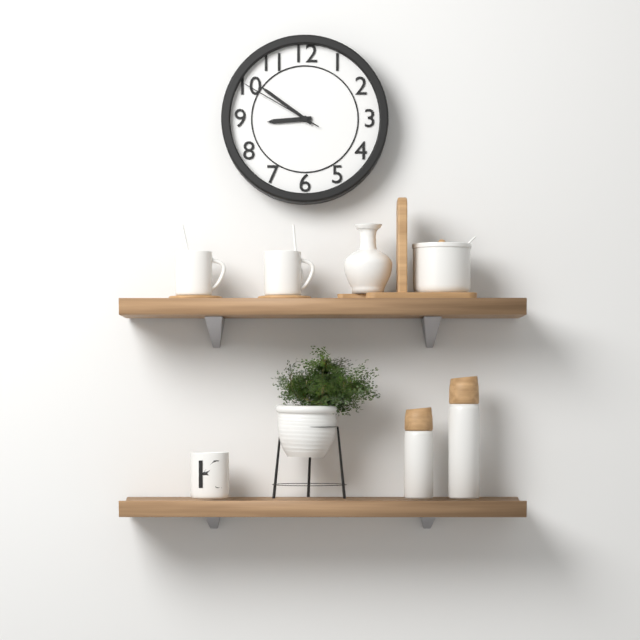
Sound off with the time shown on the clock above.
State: 8:51:50
